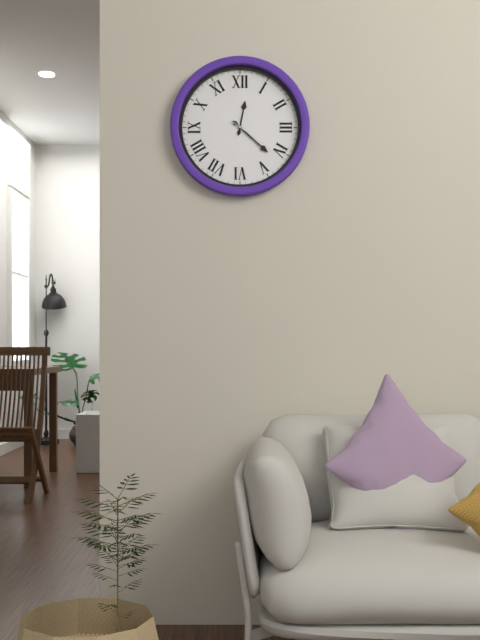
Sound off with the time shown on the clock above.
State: 12:22:21
